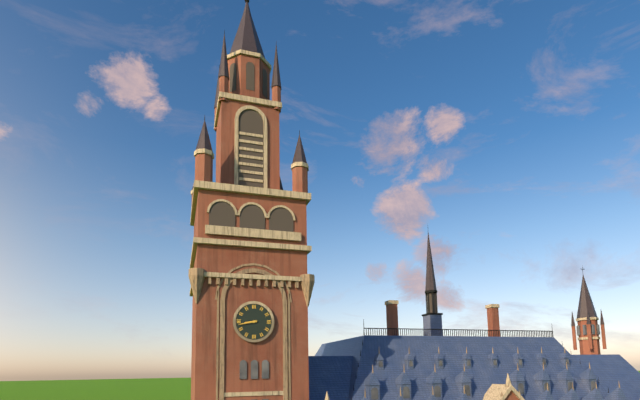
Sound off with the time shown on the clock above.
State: 8:43
